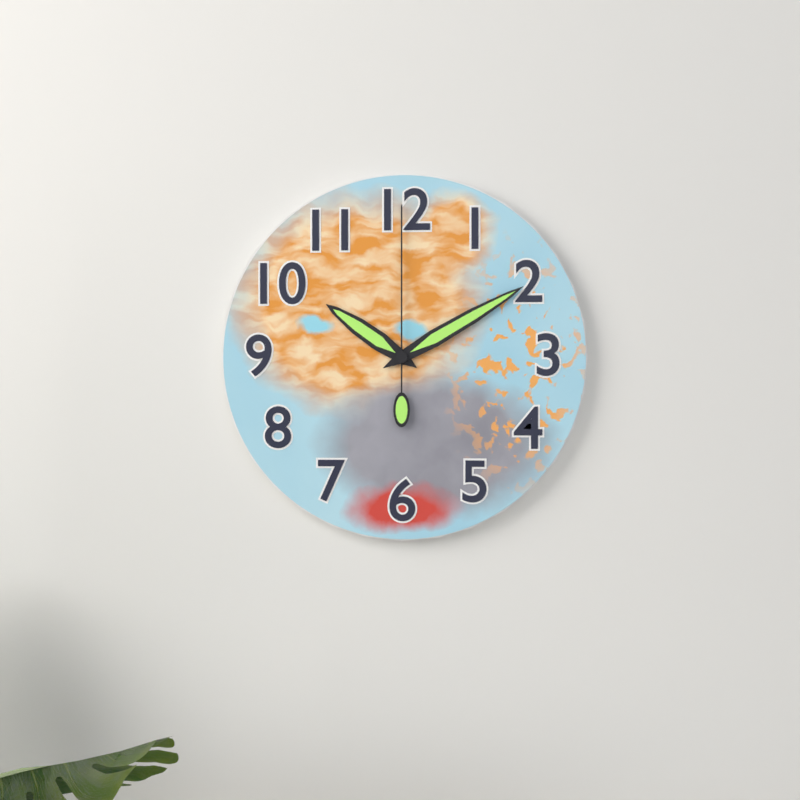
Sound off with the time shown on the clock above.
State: 10:10:00
